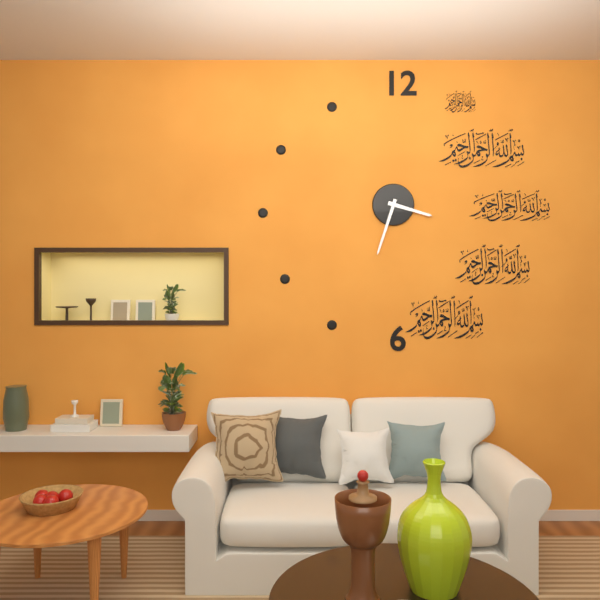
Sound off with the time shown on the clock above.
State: 3:33
